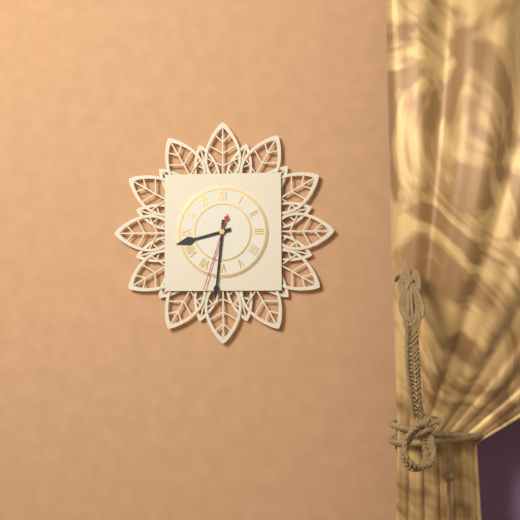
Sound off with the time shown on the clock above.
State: 8:31:33
